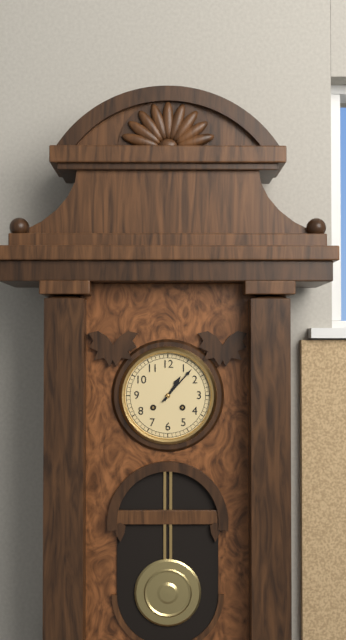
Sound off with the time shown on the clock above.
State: 1:07
